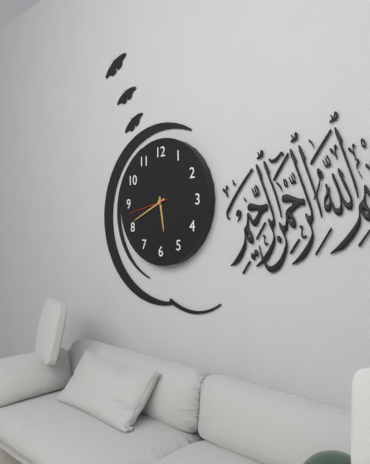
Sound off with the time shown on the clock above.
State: 5:41
